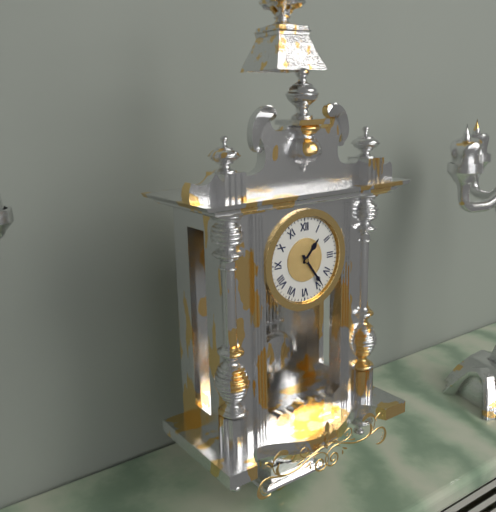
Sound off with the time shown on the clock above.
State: 1:24
